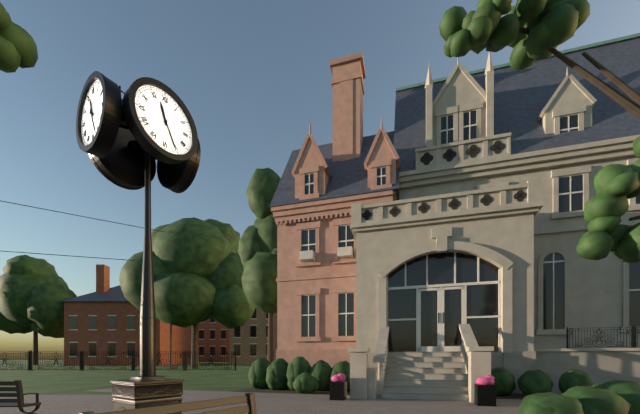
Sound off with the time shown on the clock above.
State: 11:26
